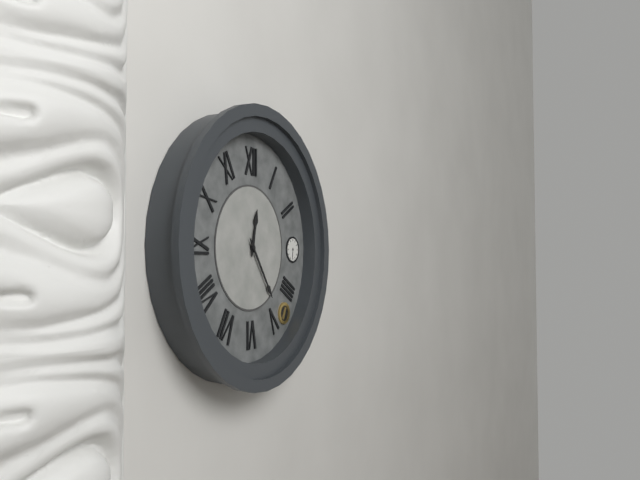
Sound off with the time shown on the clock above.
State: 12:24
